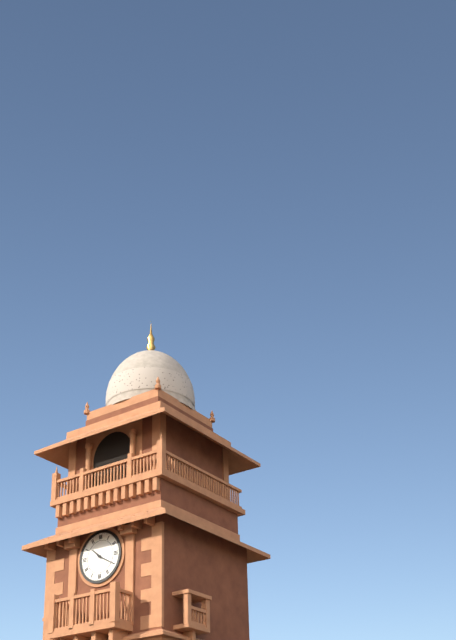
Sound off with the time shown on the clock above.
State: 10:20
